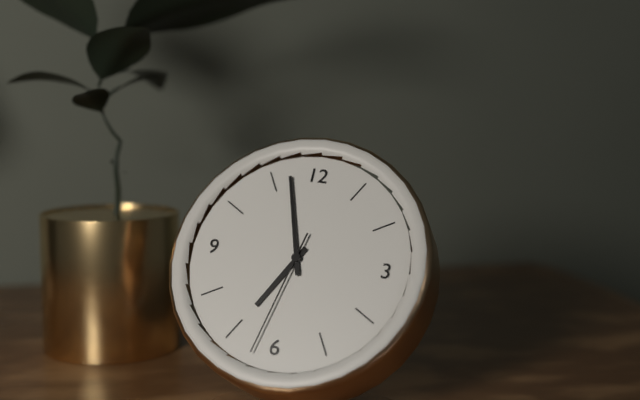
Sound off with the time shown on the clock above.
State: 6:57:32
